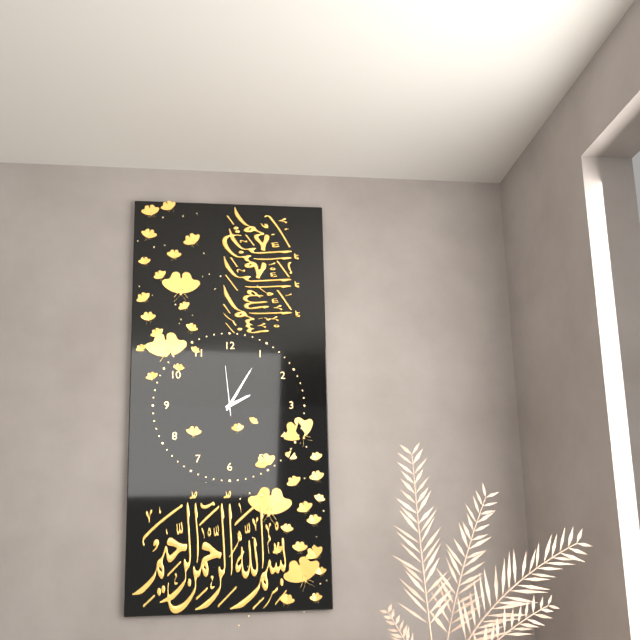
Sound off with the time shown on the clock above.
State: 2:05:59
